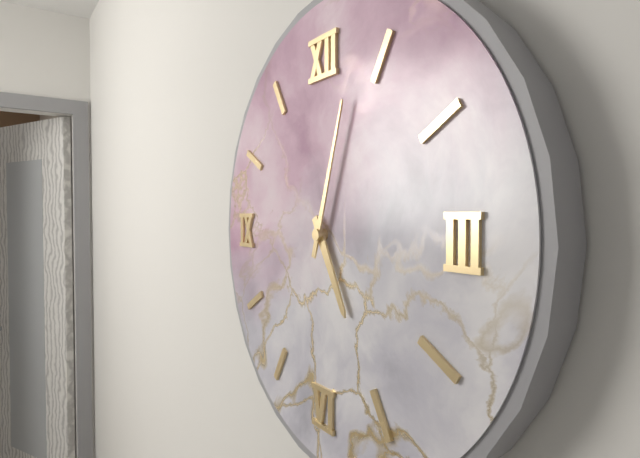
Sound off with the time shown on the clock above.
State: 5:03
